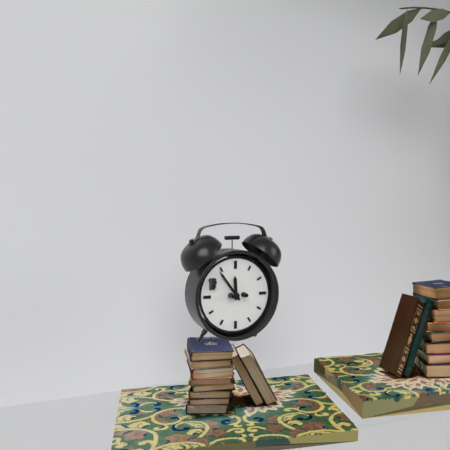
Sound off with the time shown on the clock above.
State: 11:54
